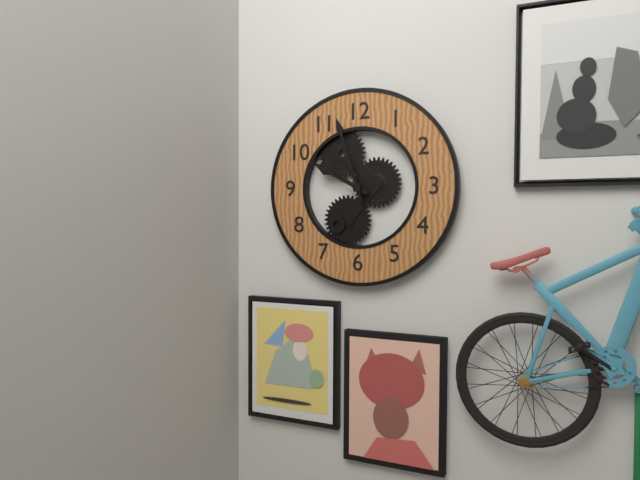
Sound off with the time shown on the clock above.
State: 9:57
